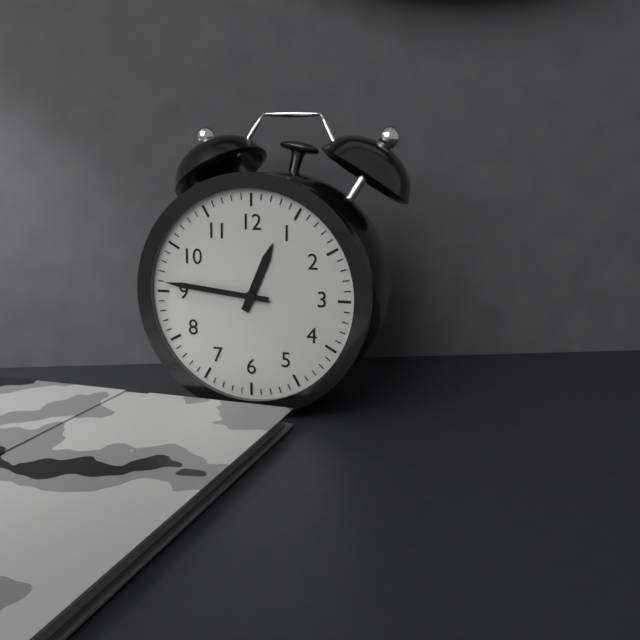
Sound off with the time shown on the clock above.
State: 12:46
